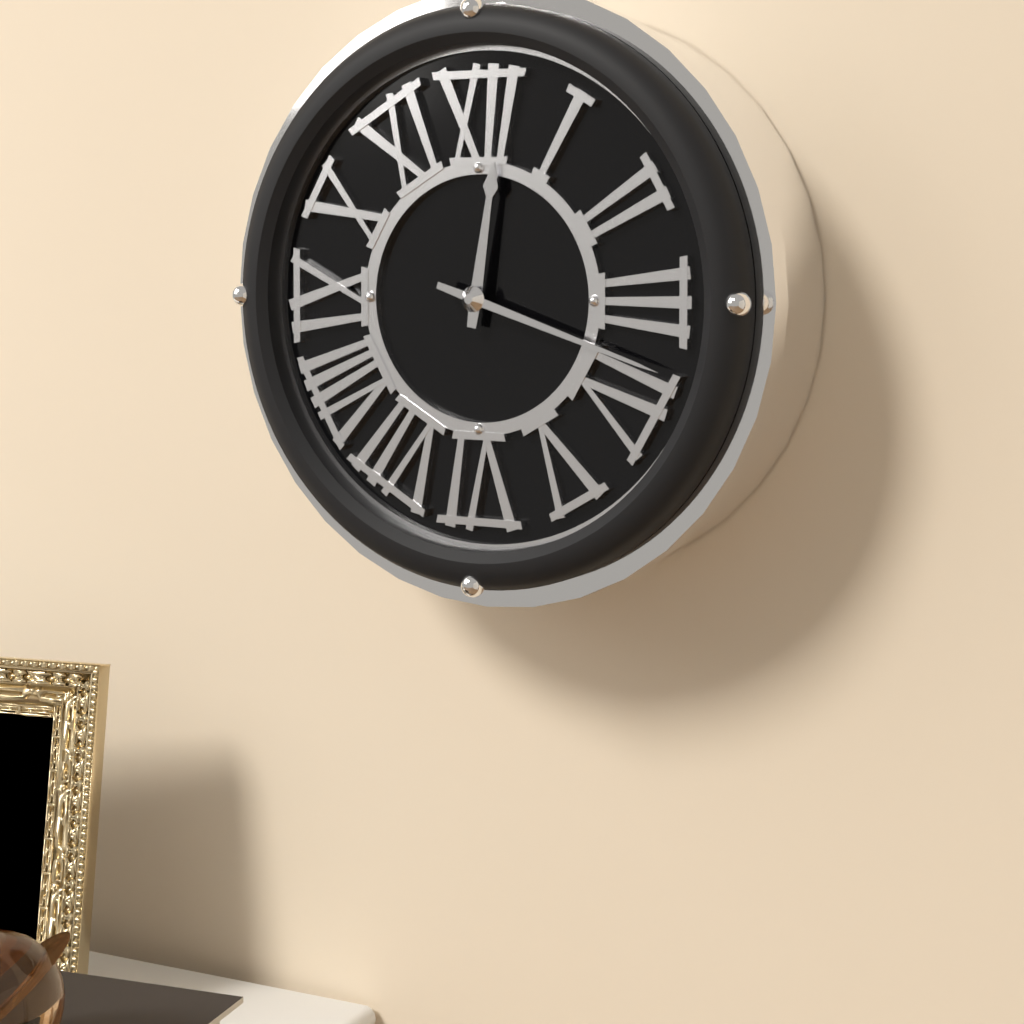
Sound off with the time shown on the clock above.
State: 12:18
